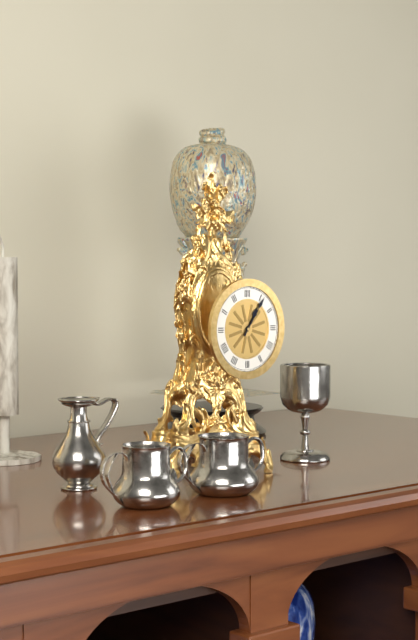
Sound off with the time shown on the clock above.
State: 1:06
